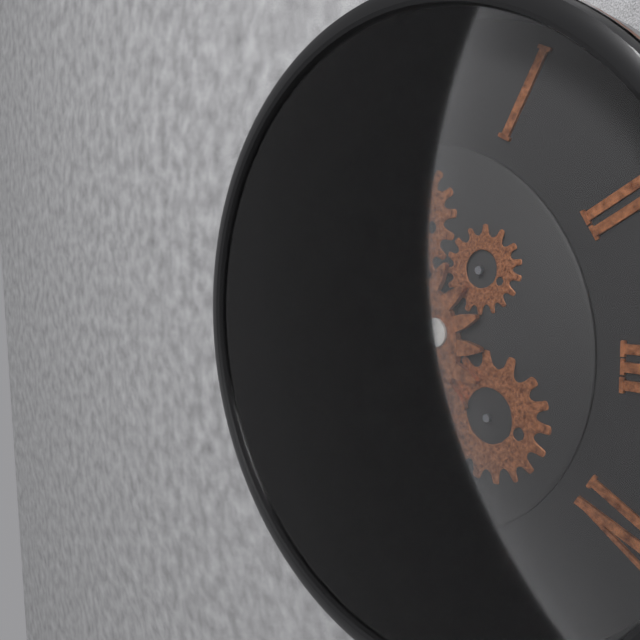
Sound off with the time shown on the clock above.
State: 8:27
